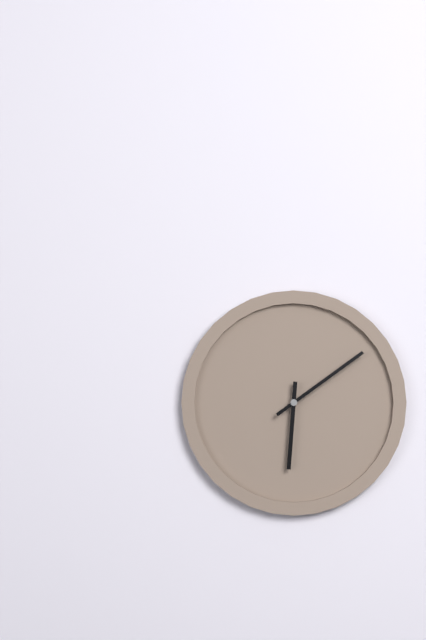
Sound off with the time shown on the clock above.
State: 6:09
